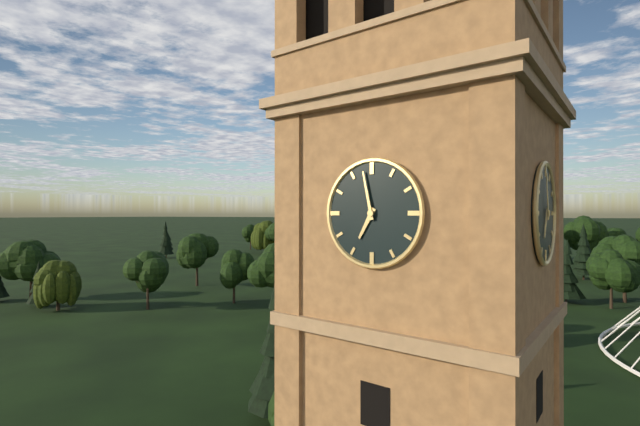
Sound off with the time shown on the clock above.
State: 6:58
